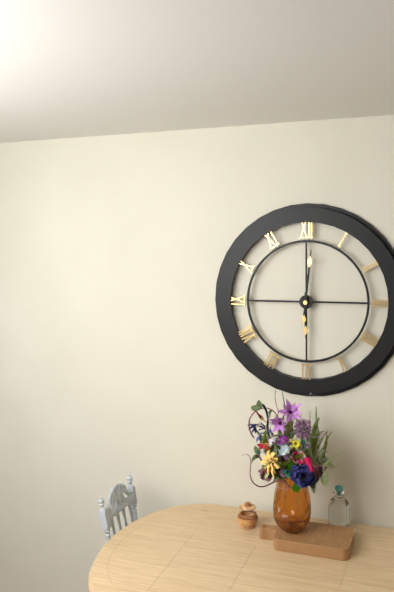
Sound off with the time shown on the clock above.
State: 6:01
